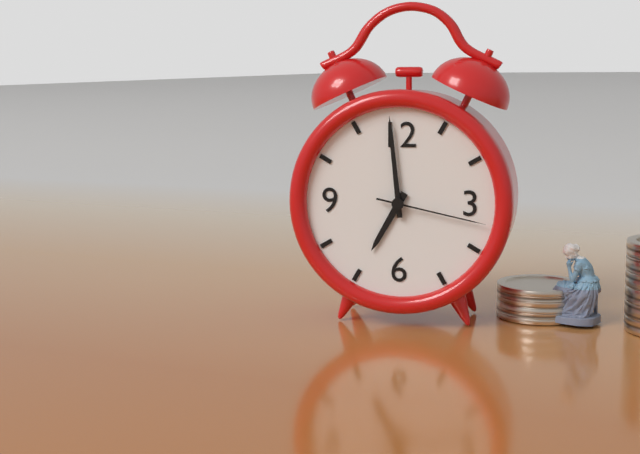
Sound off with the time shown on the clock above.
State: 6:59:17
